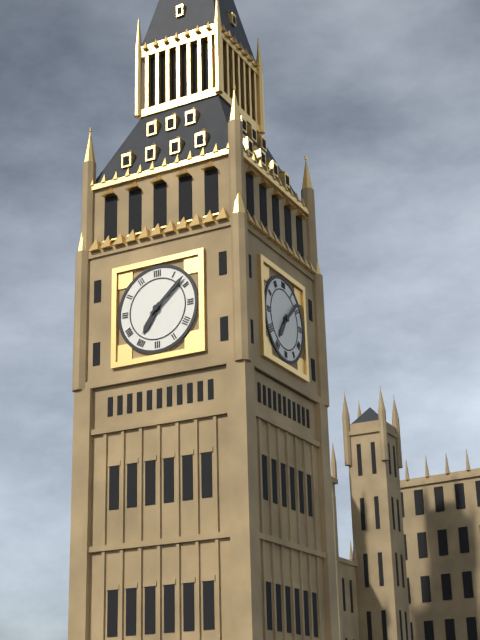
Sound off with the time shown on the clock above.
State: 7:08
